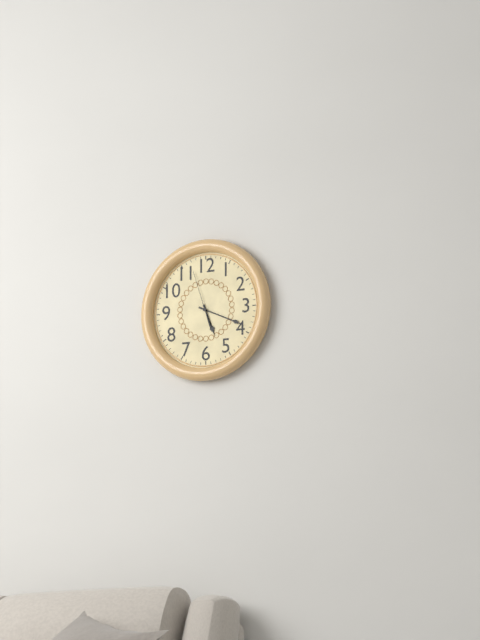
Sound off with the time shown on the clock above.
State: 5:19:57
